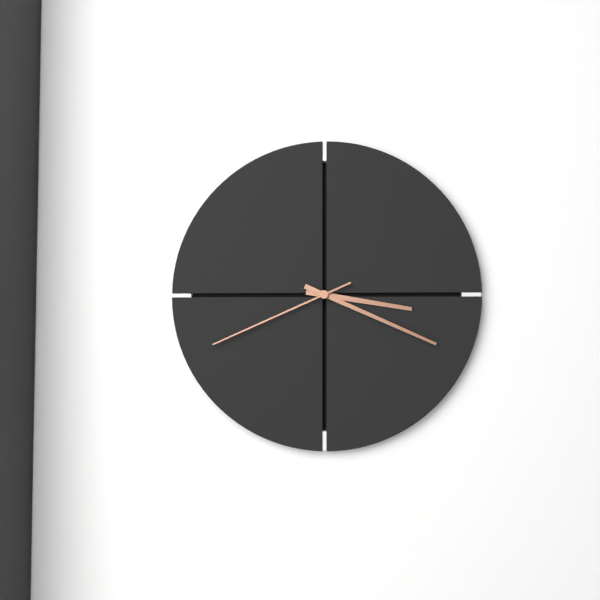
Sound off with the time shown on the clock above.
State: 3:19:41
